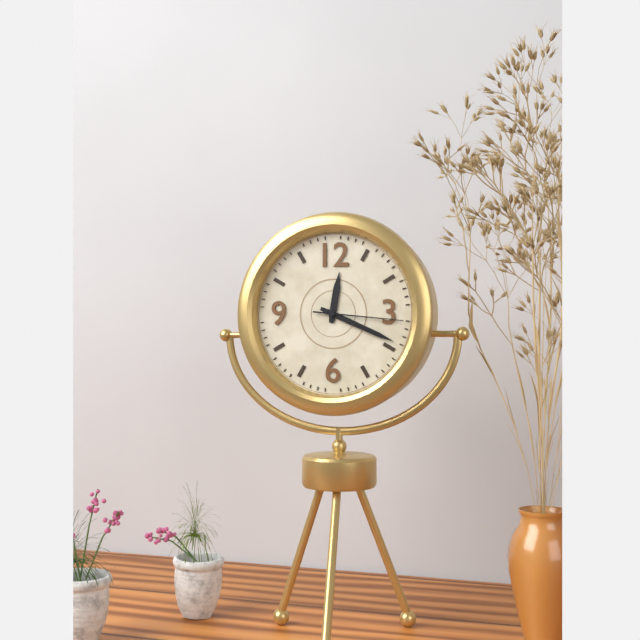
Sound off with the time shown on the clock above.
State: 12:19:16
